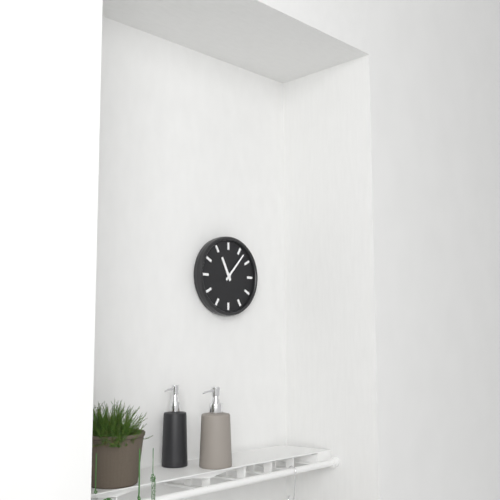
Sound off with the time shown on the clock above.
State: 11:07
